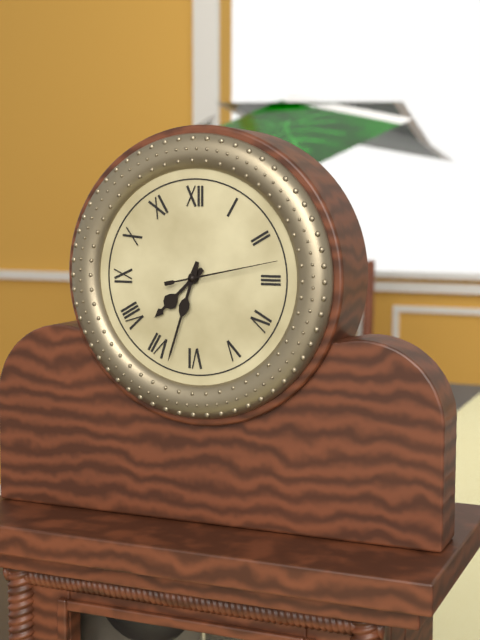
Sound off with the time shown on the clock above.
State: 7:33:13
